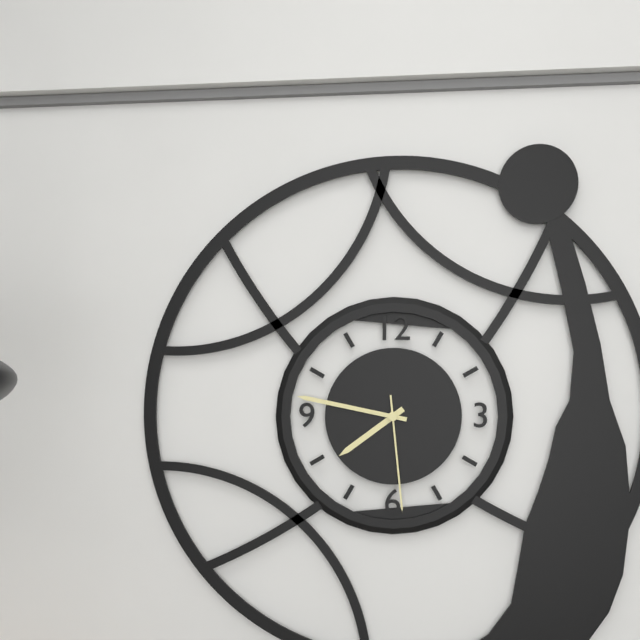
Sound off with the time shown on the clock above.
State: 7:47:29
